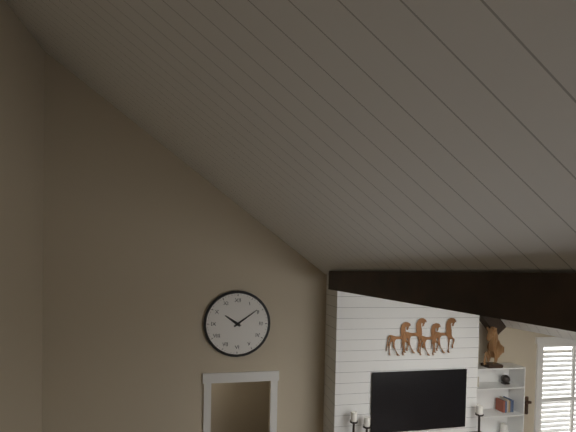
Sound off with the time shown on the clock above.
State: 10:09
